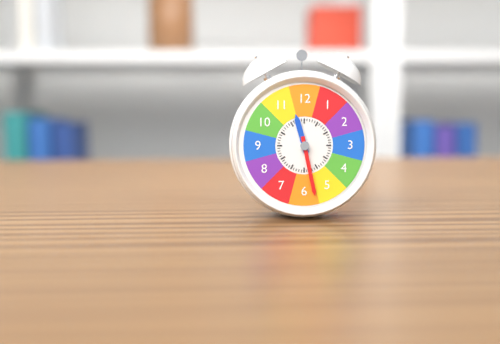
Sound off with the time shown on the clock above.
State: 11:28
